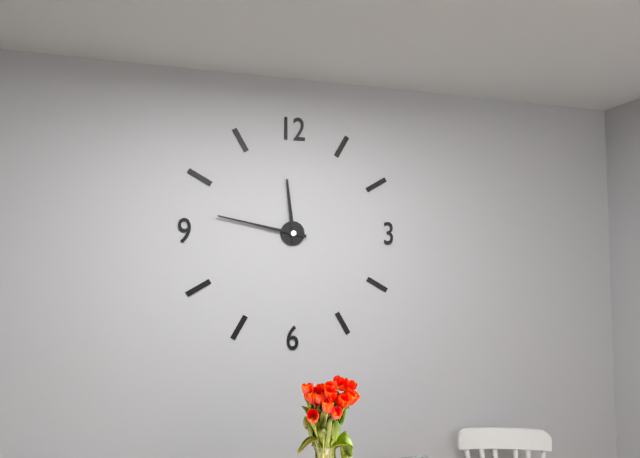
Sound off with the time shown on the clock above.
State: 11:47
